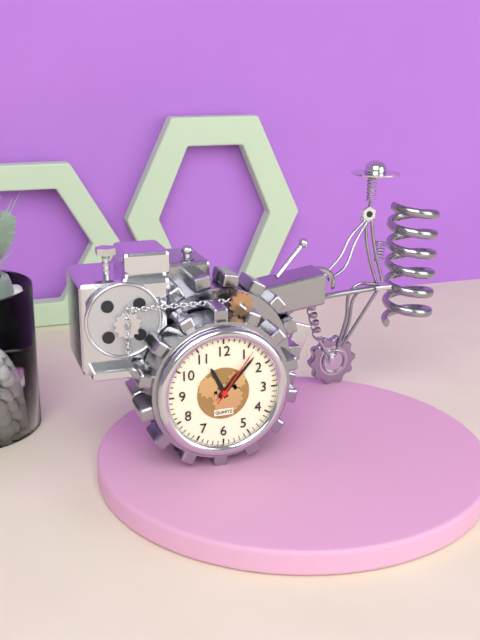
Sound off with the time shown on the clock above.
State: 11:07:06
